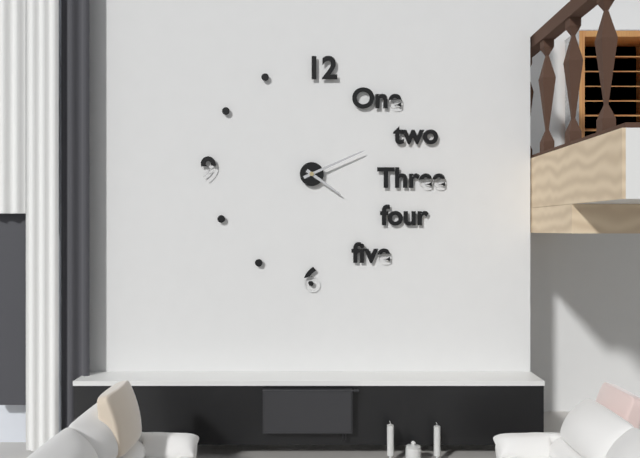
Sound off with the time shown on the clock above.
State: 4:11
